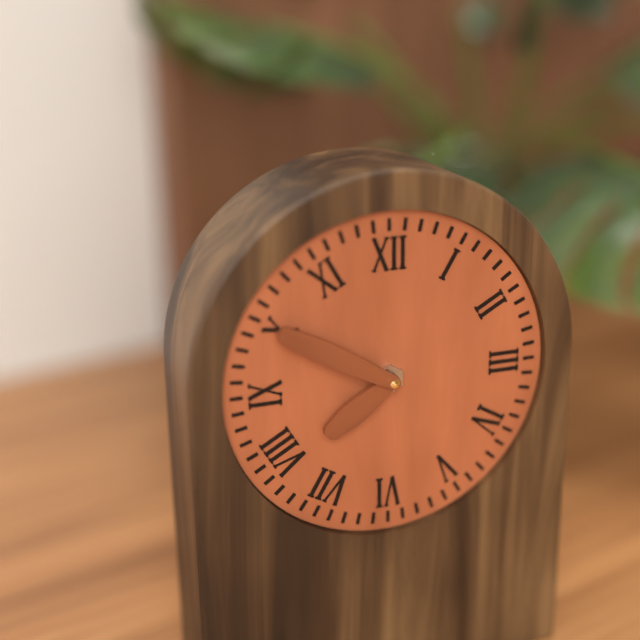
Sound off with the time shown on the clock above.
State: 7:50
